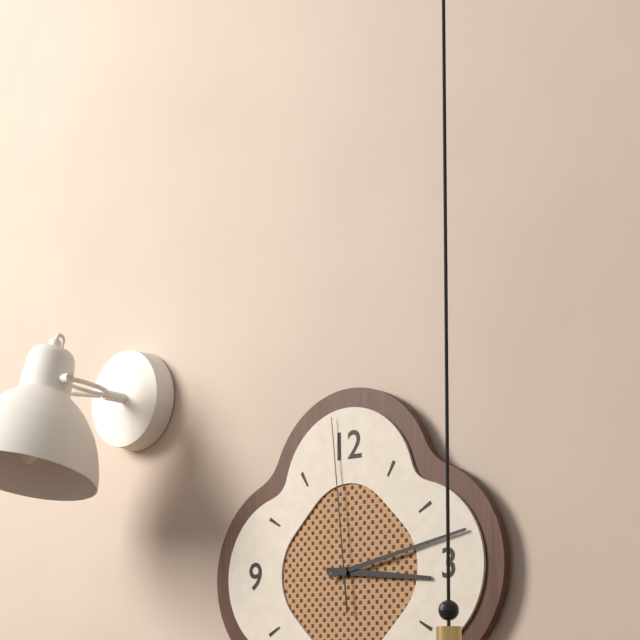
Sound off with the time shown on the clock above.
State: 3:13:59
